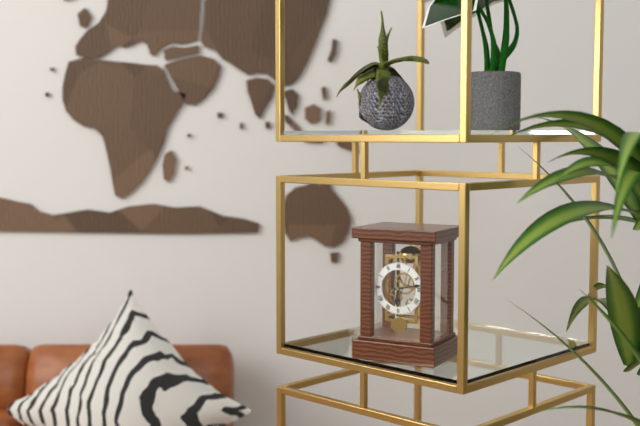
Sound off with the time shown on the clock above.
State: 6:13
